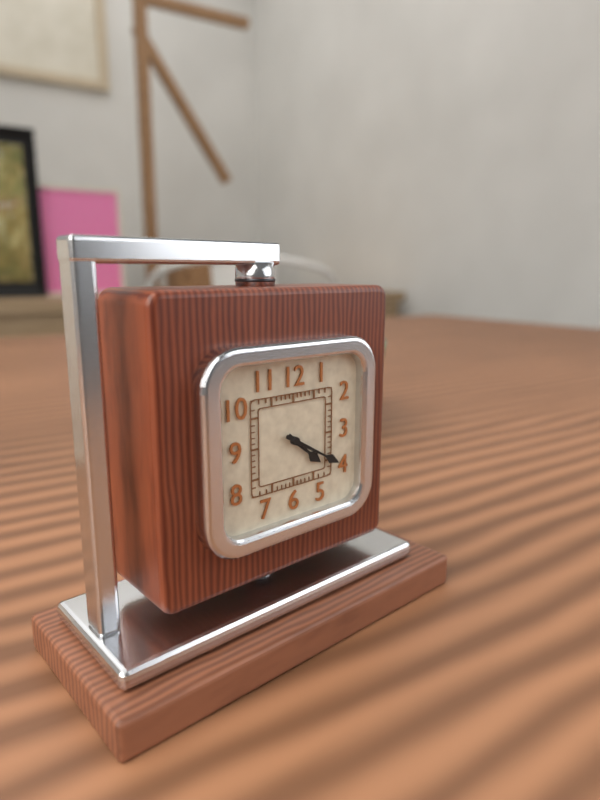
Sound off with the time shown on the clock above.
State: 4:20
